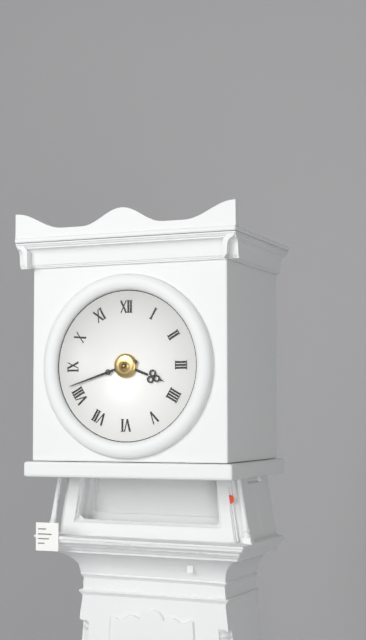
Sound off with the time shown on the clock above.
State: 3:42
